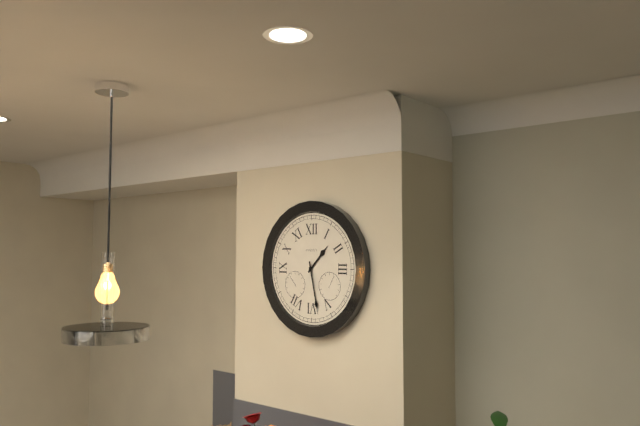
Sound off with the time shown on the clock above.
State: 1:28
